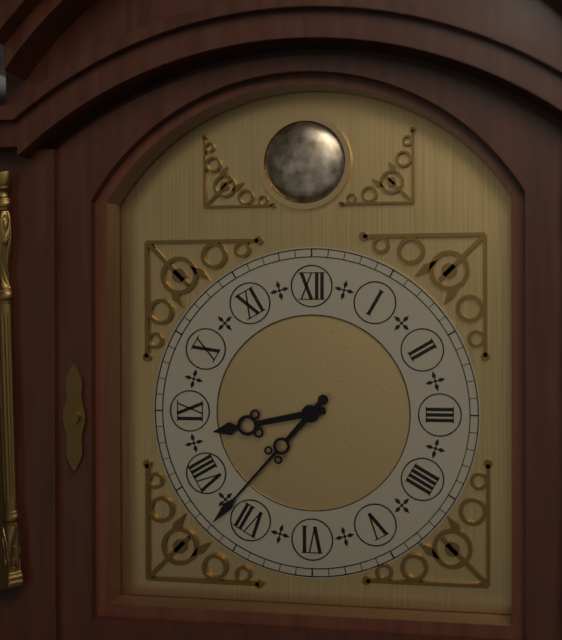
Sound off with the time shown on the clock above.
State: 8:37
